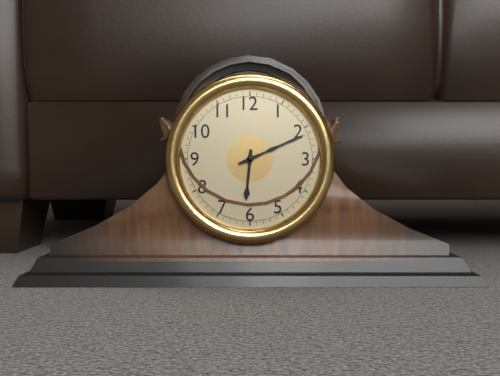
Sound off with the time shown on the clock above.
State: 6:11
